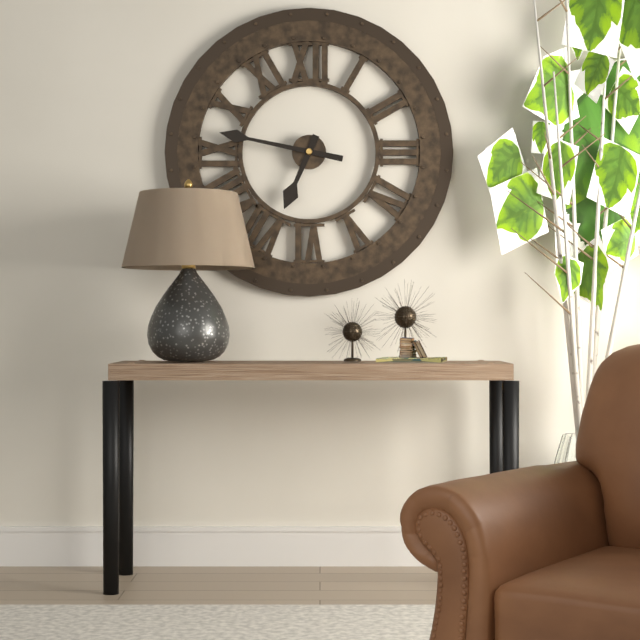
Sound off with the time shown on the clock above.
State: 6:47
